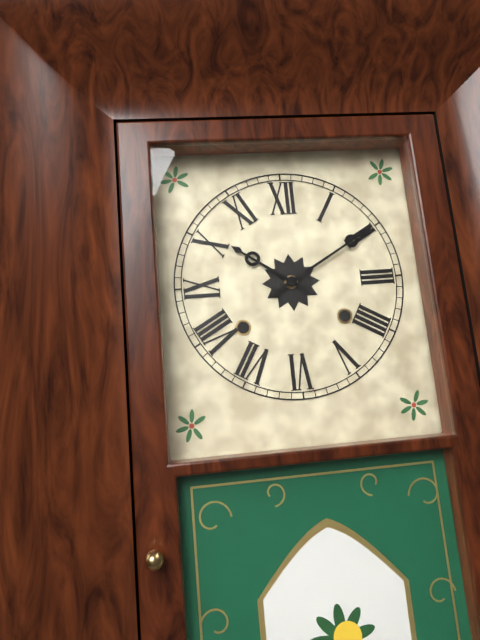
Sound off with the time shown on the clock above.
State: 10:10
